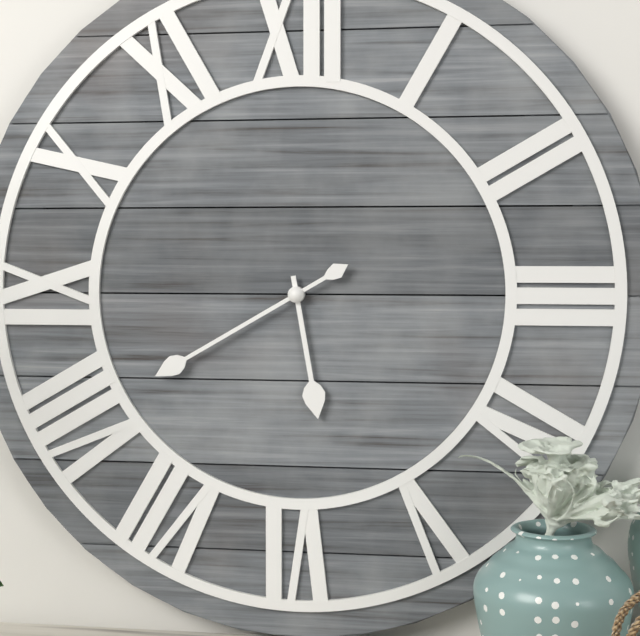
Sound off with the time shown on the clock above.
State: 5:40
